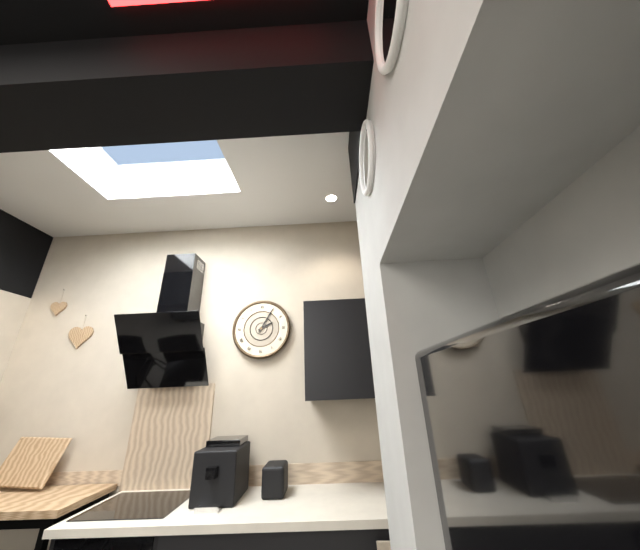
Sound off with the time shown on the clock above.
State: 2:05
